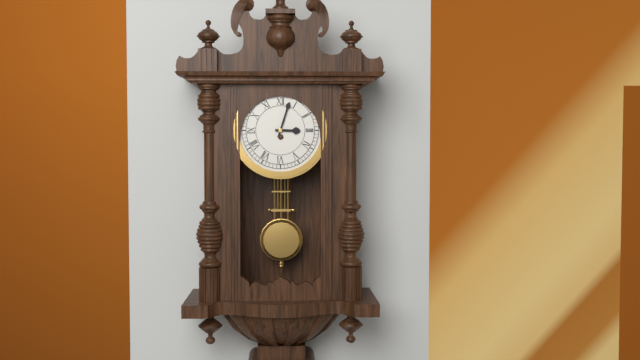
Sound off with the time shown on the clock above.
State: 3:03
